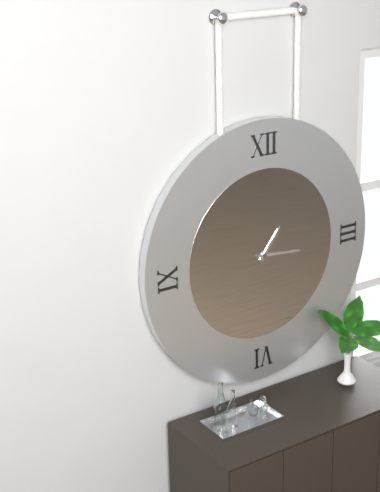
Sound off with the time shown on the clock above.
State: 1:16
